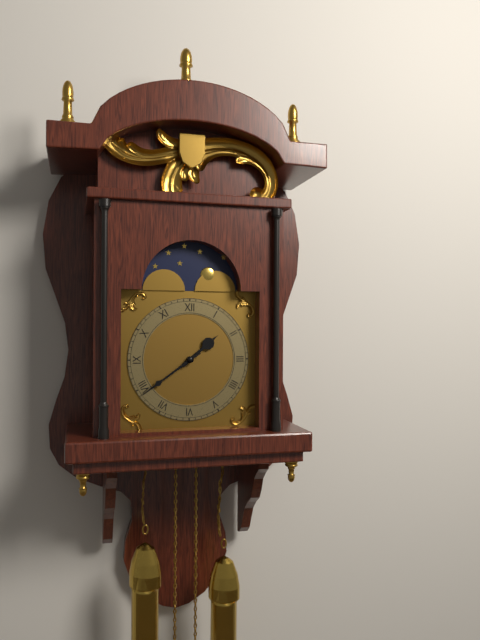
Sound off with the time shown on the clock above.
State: 1:39
